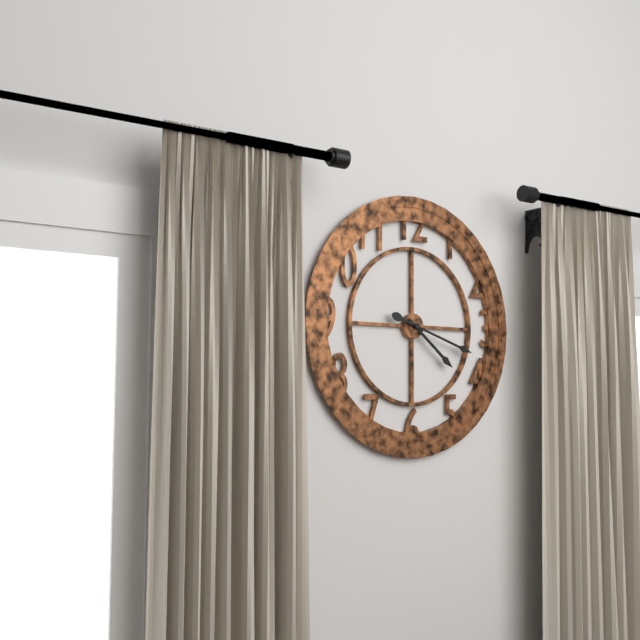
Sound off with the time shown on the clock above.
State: 4:18
